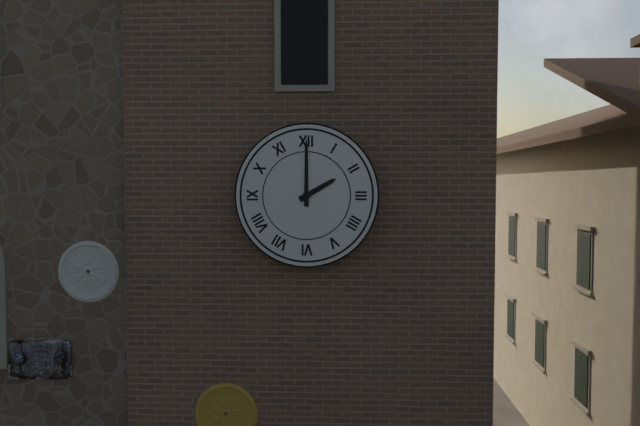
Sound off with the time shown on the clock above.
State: 2:00
